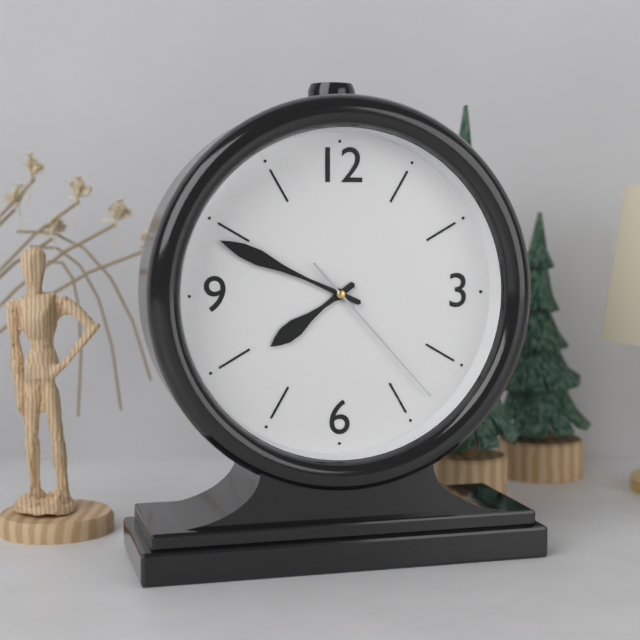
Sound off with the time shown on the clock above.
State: 7:49:23
